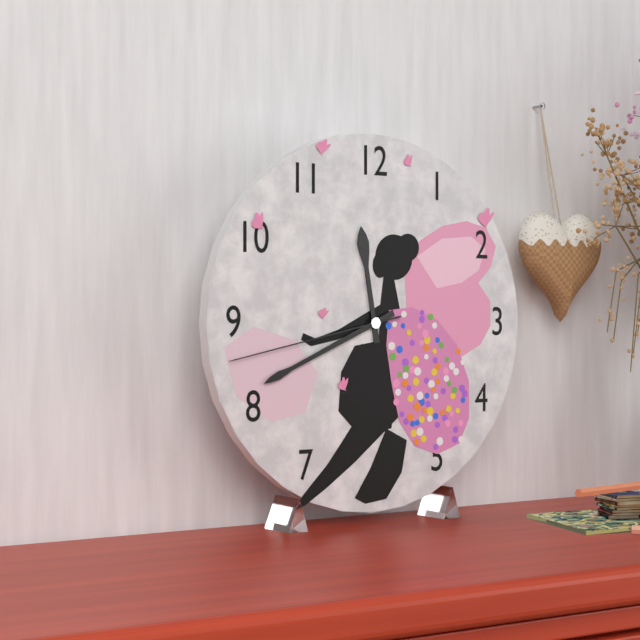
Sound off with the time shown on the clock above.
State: 11:41:43
